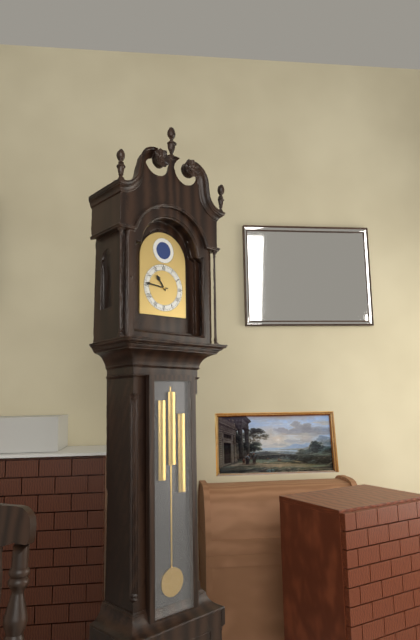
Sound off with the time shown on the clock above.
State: 10:46
